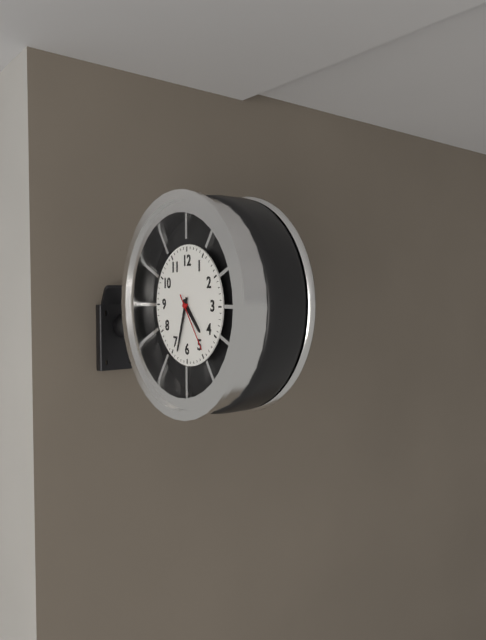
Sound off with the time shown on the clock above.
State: 4:33:24
